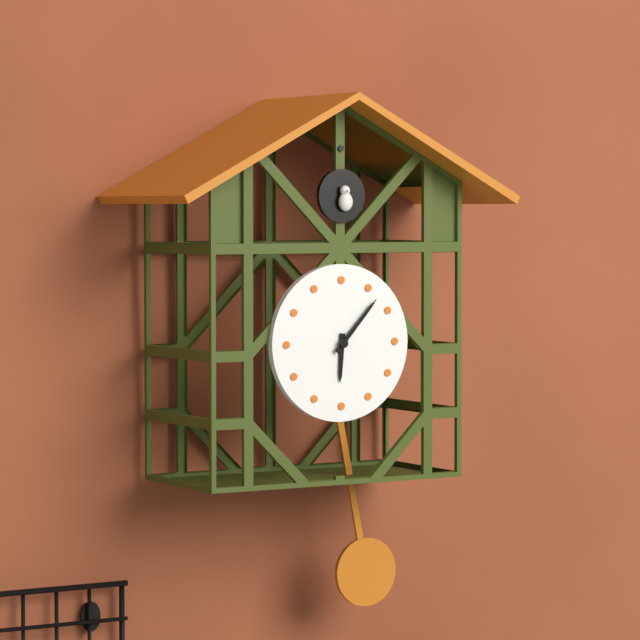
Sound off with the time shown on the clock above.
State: 6:07
